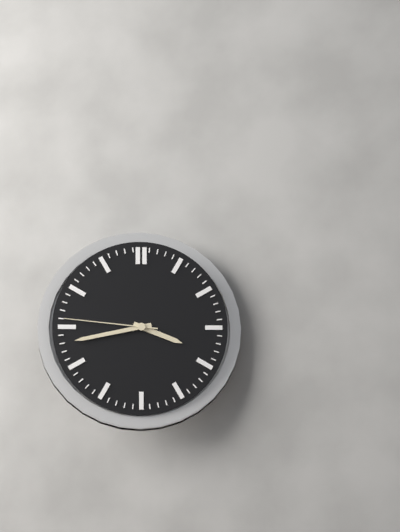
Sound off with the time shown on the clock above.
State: 3:43:46
